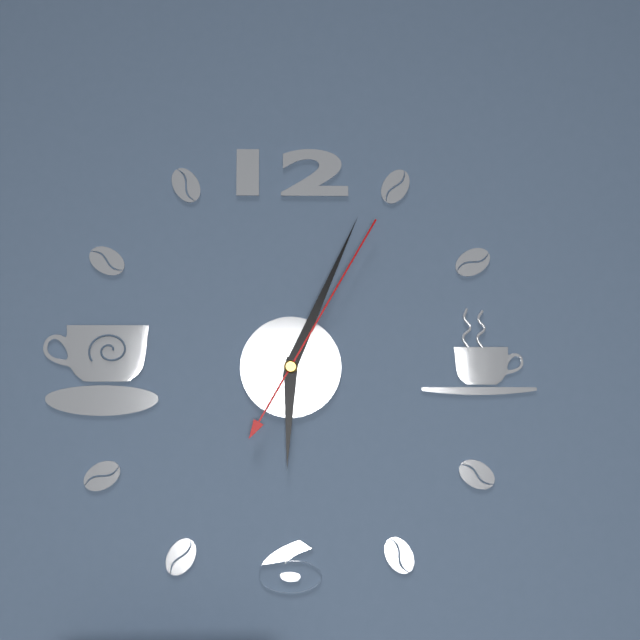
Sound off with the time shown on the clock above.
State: 6:04:05
